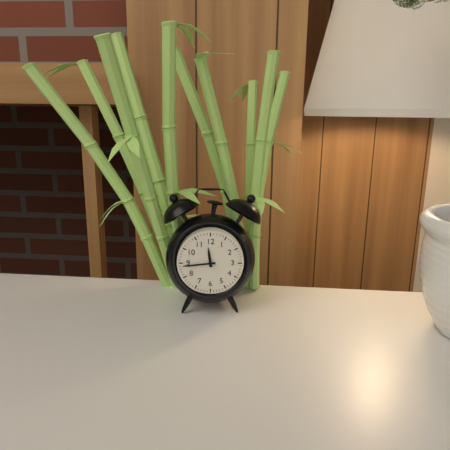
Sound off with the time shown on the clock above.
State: 11:44
